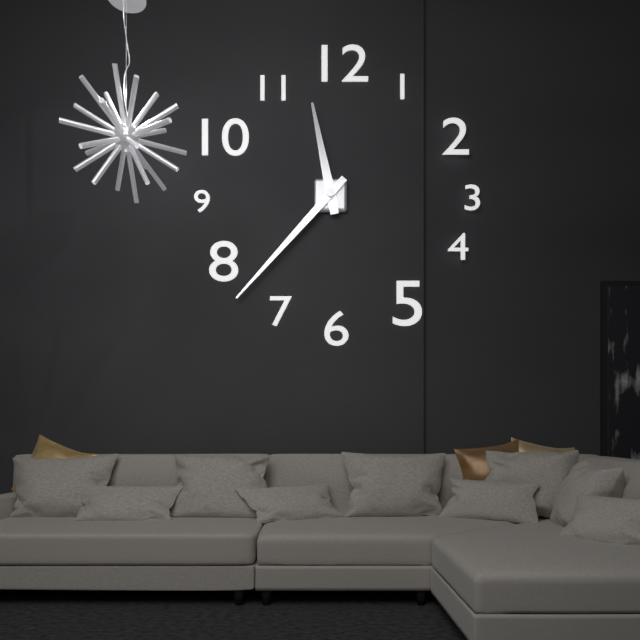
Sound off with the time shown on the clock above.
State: 11:37
